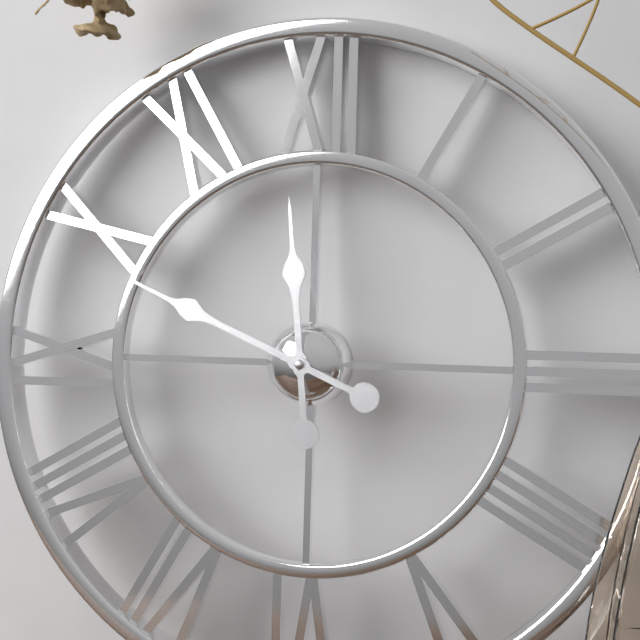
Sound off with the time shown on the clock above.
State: 11:49
